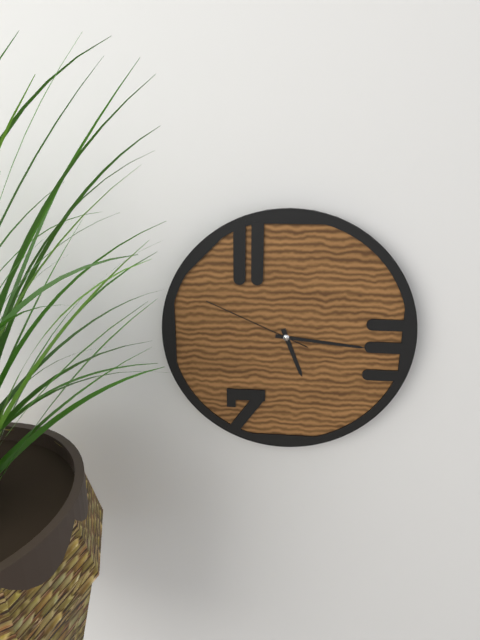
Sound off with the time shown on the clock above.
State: 5:16:49
